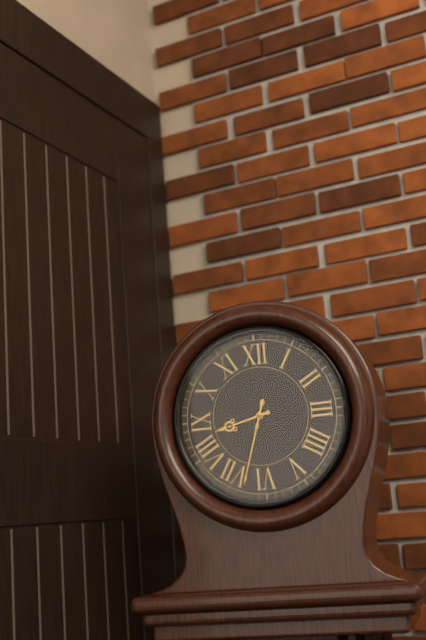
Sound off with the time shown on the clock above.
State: 8:33
